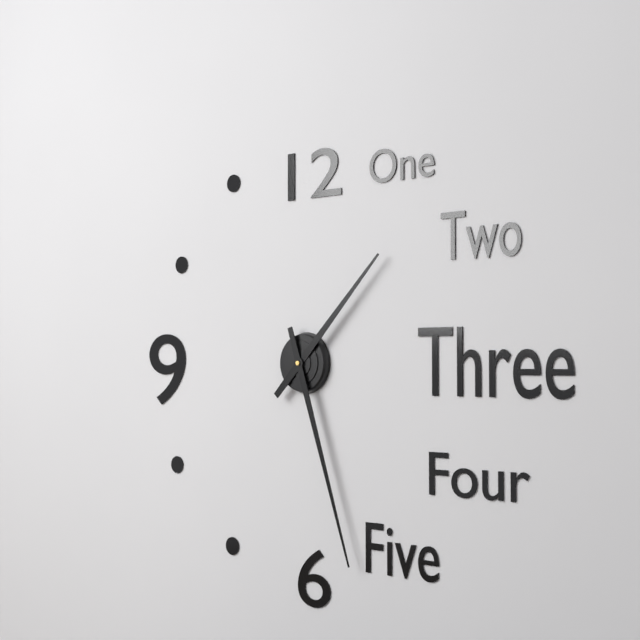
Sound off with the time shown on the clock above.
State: 1:27
